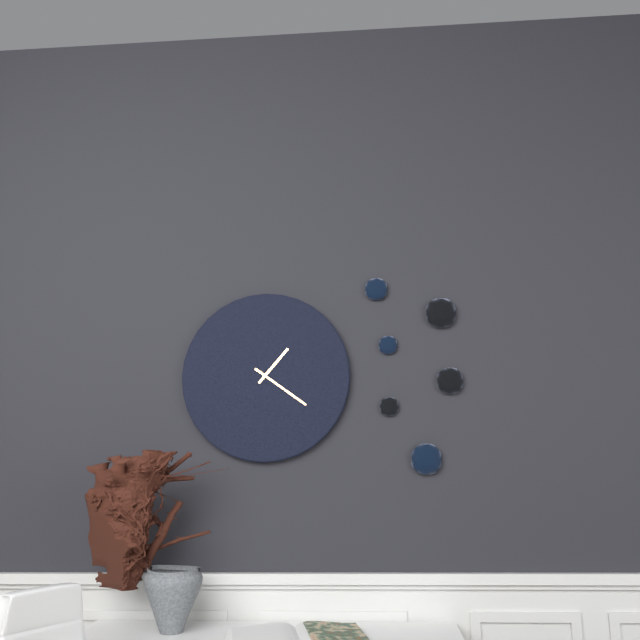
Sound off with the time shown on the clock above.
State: 1:21
